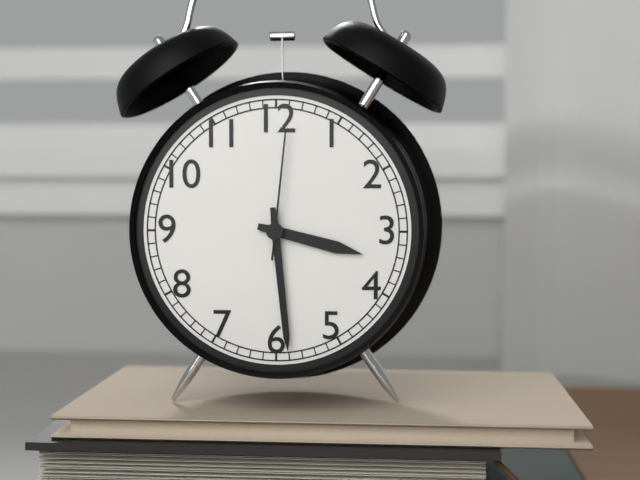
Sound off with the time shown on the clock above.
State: 3:29:01
